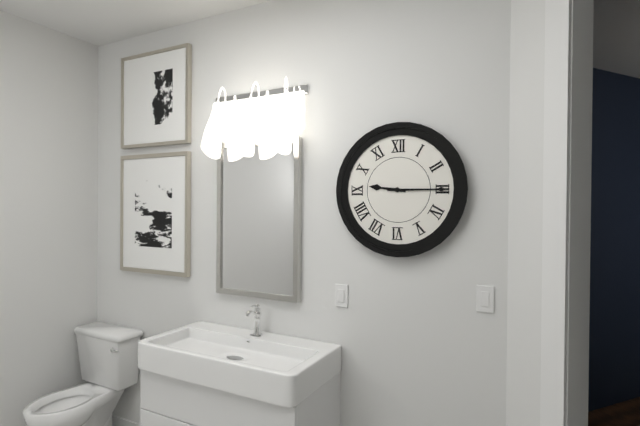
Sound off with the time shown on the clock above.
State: 9:15
